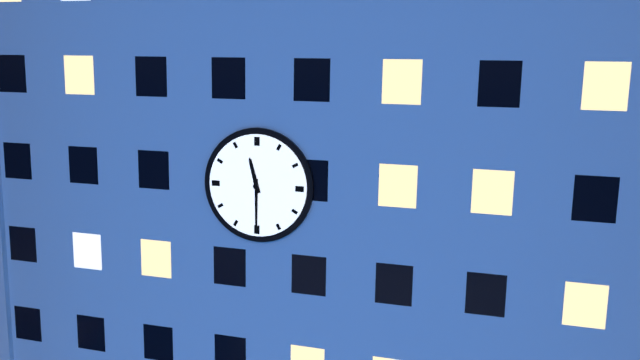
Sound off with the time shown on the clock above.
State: 11:30
